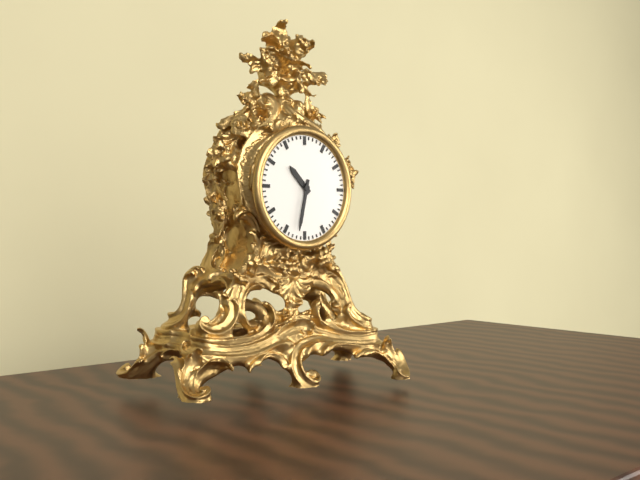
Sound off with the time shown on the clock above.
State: 10:32
